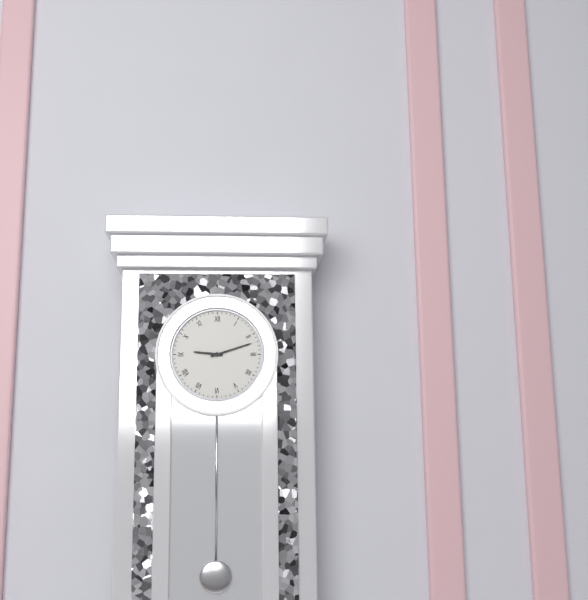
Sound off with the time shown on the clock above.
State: 9:12
